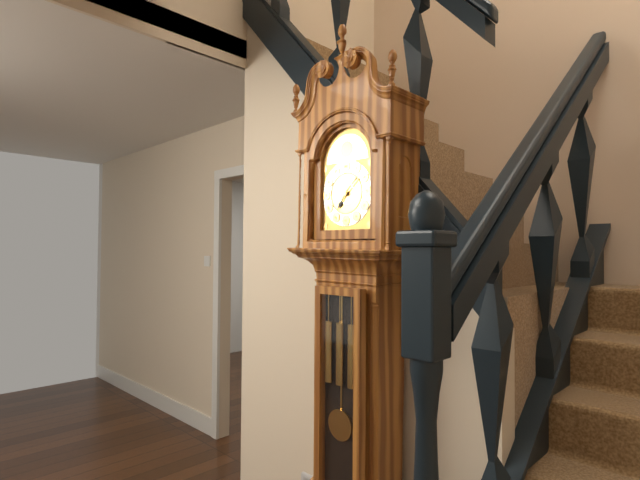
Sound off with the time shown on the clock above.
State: 7:08
